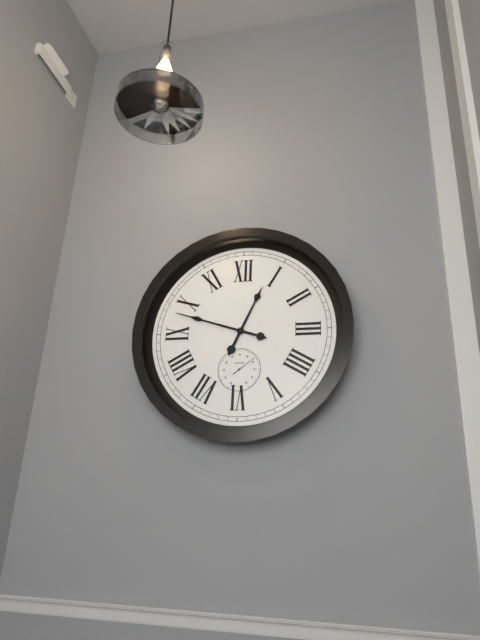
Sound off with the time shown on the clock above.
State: 12:48
